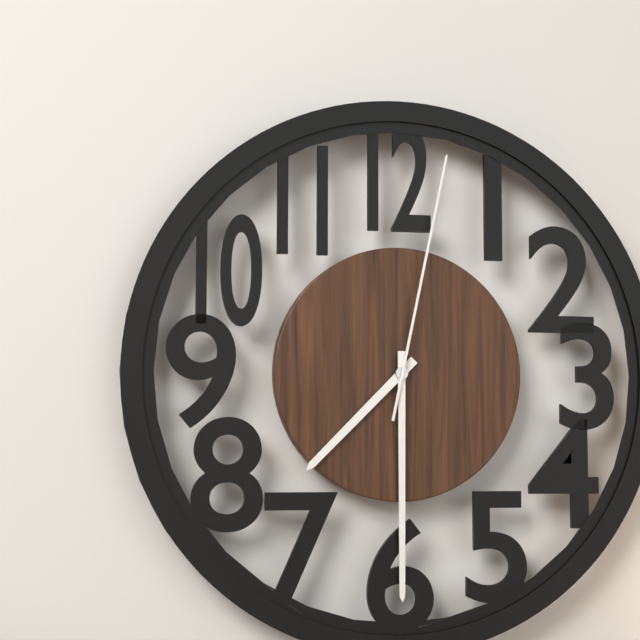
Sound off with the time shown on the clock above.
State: 7:30:02
